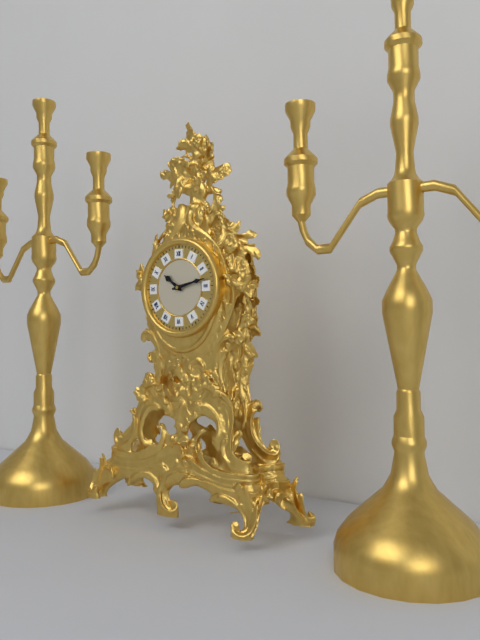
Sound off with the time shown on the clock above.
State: 10:13
